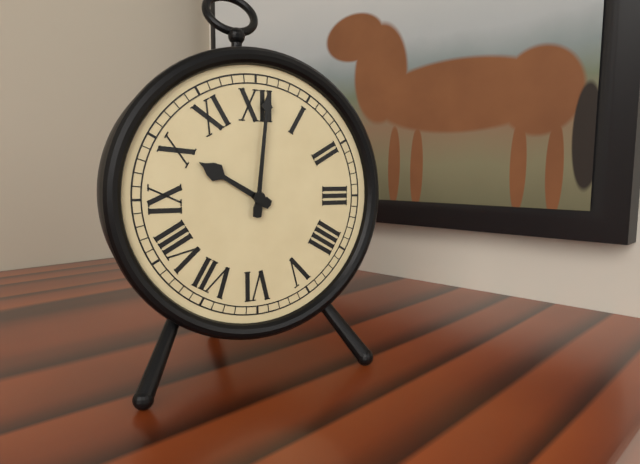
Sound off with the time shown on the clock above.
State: 10:01
